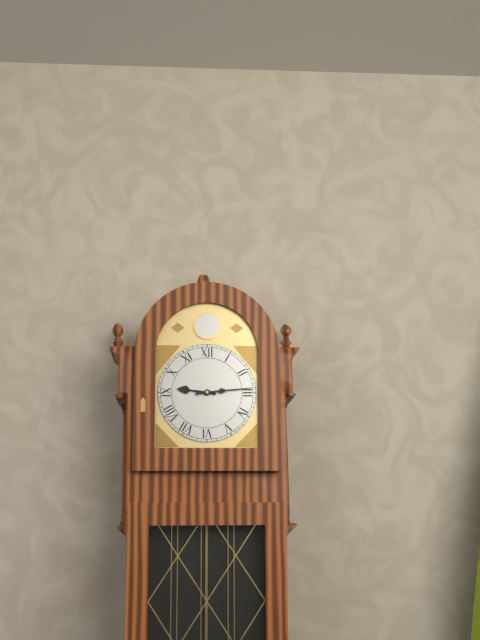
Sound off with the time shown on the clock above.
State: 9:14
